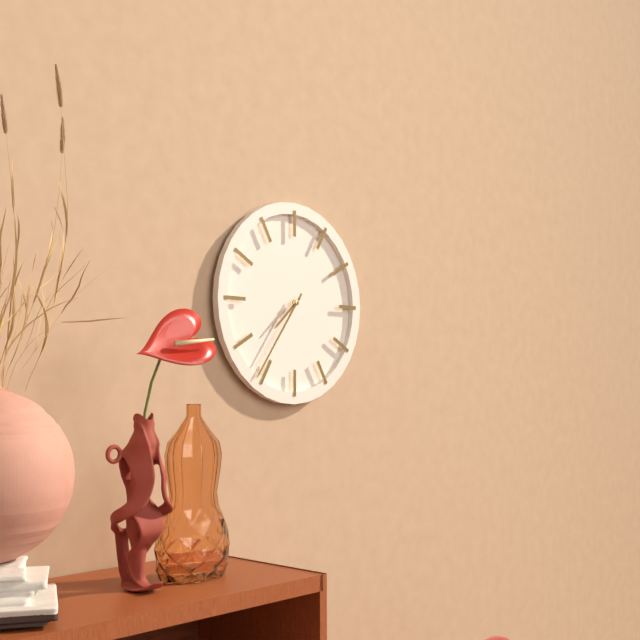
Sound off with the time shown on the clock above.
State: 7:36
